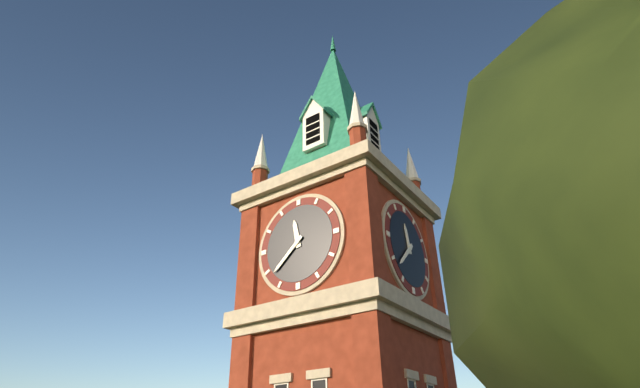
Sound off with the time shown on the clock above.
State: 11:38
